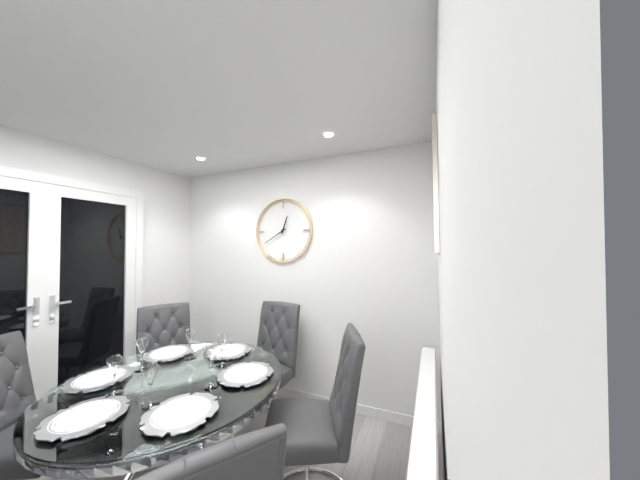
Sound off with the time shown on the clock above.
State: 12:40
